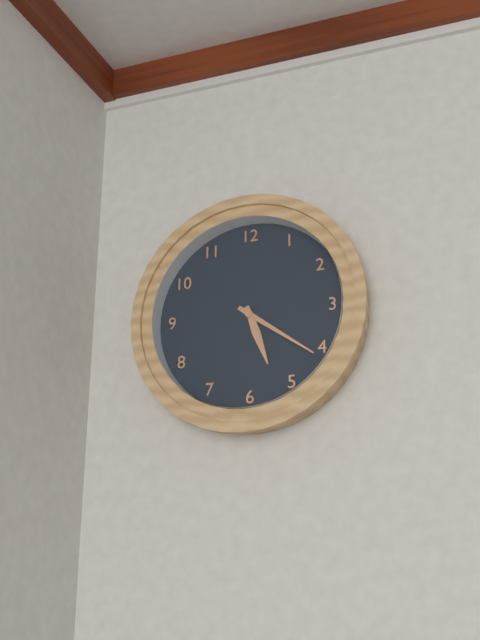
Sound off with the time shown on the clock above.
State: 5:21
